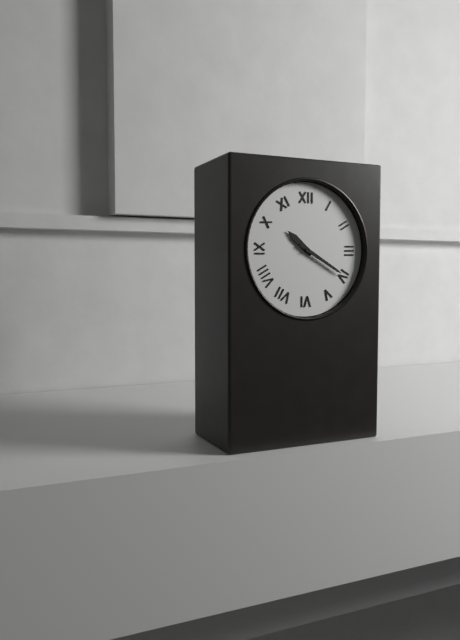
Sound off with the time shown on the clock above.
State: 10:20
